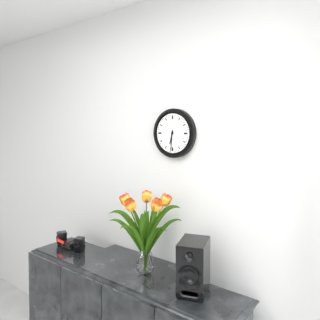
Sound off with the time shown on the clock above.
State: 6:31
